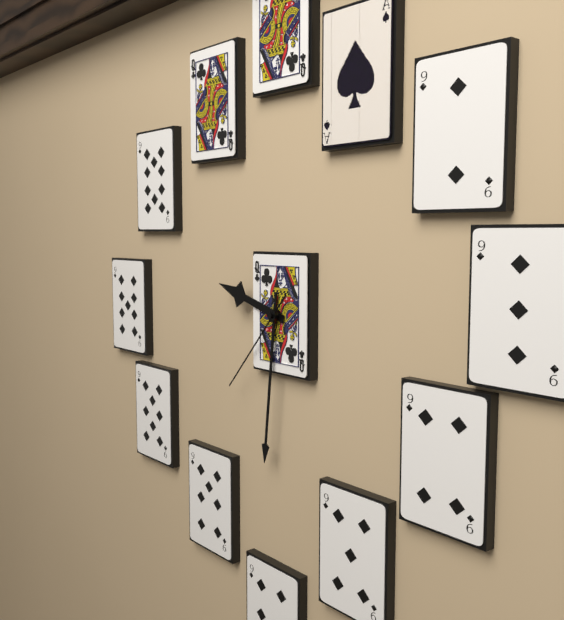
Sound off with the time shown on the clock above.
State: 9:31:37
